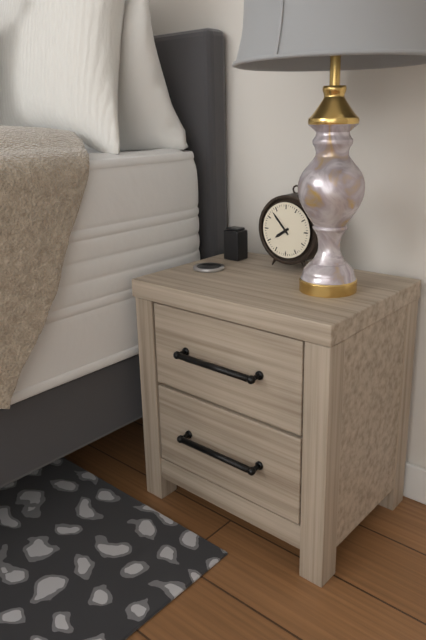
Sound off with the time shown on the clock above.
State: 7:53
